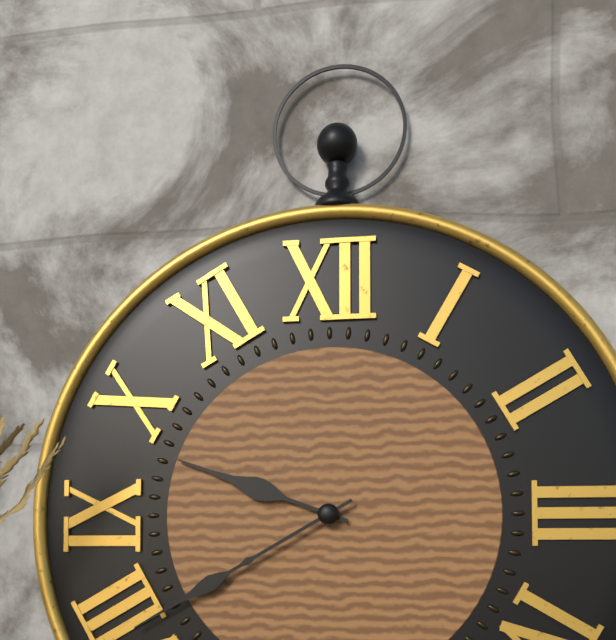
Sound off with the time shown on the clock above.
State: 9:40
